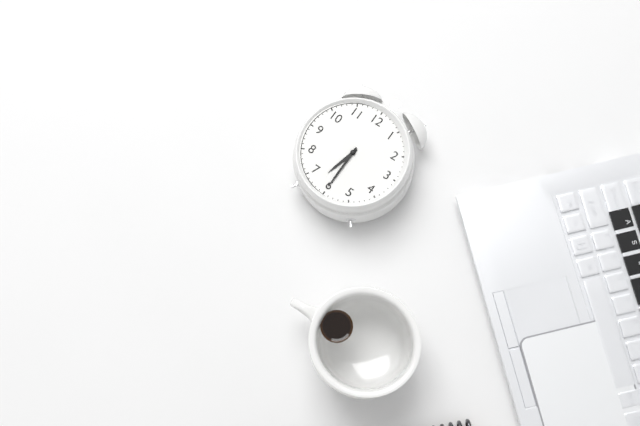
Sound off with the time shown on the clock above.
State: 6:30
